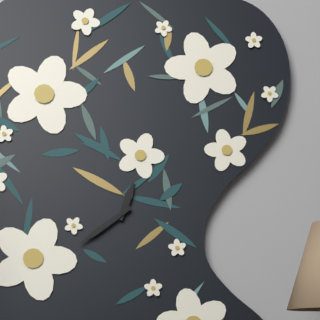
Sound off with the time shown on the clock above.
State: 12:39
